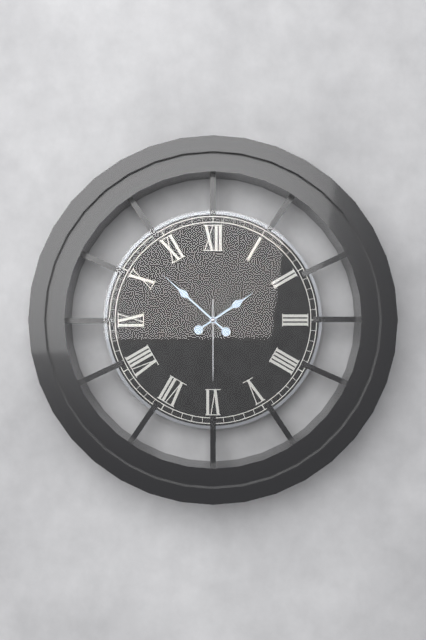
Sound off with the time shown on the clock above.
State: 1:52:30
